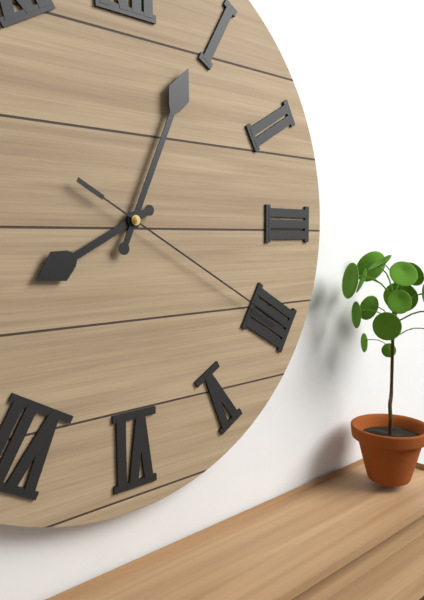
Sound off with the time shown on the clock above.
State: 8:04:20
